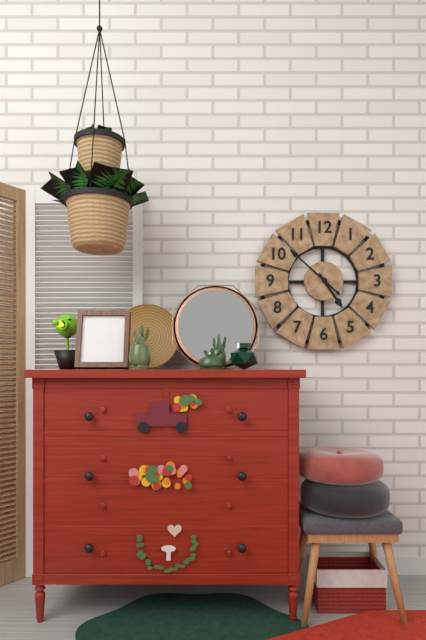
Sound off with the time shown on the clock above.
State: 4:52
